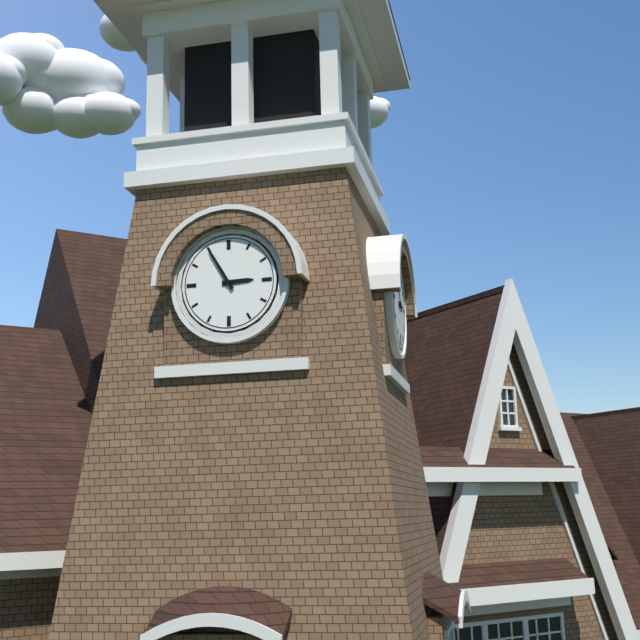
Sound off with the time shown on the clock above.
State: 2:55
